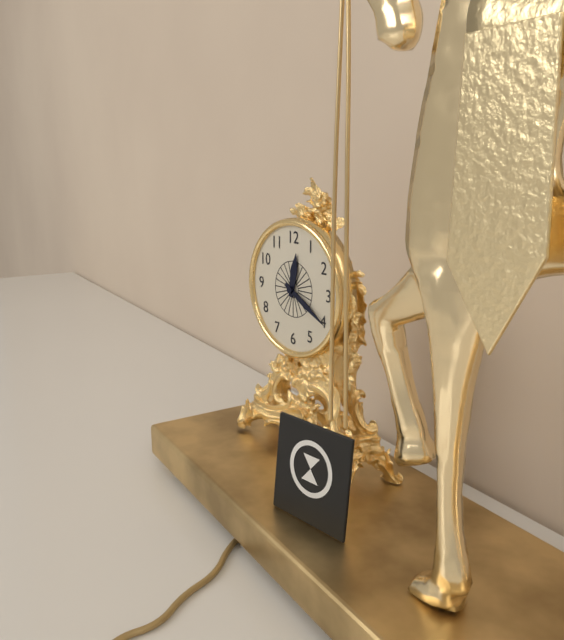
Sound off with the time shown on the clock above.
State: 12:20
